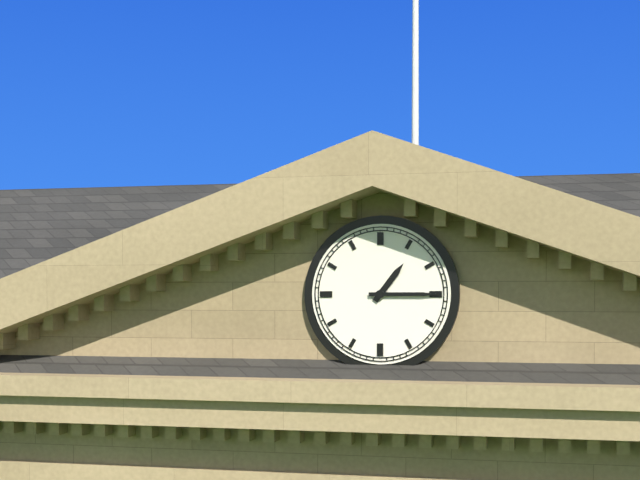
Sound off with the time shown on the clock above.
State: 1:15
